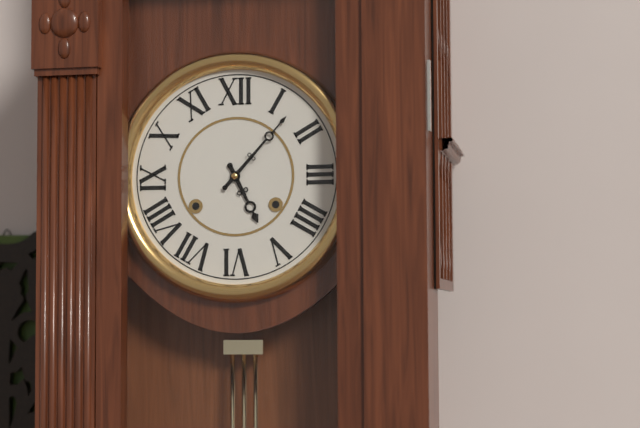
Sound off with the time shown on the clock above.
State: 5:07
